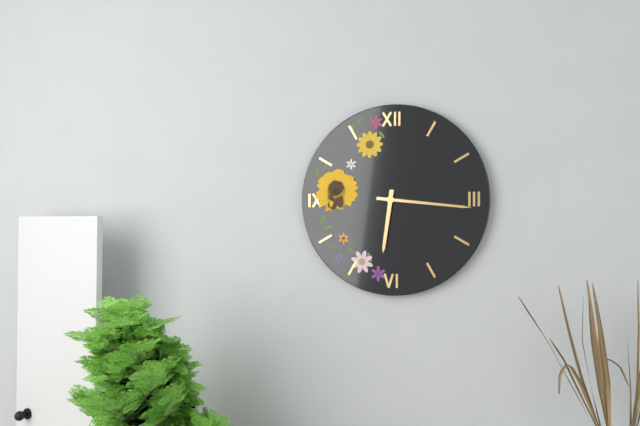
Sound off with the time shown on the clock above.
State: 6:16
